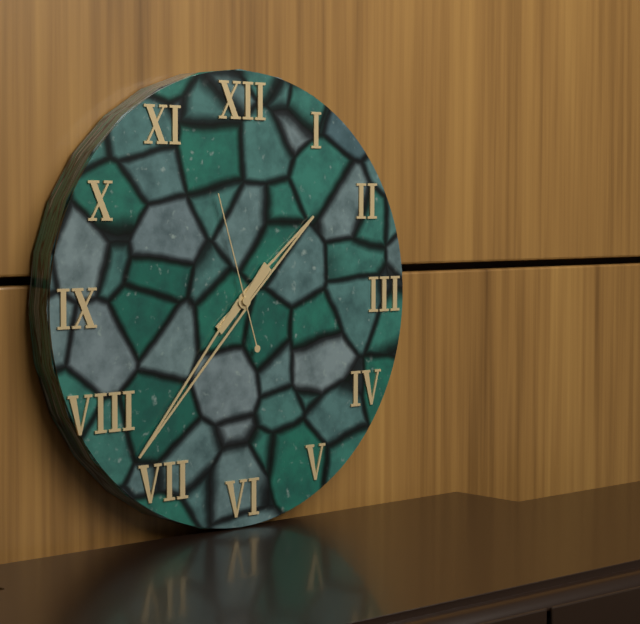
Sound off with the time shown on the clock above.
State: 1:37:57
